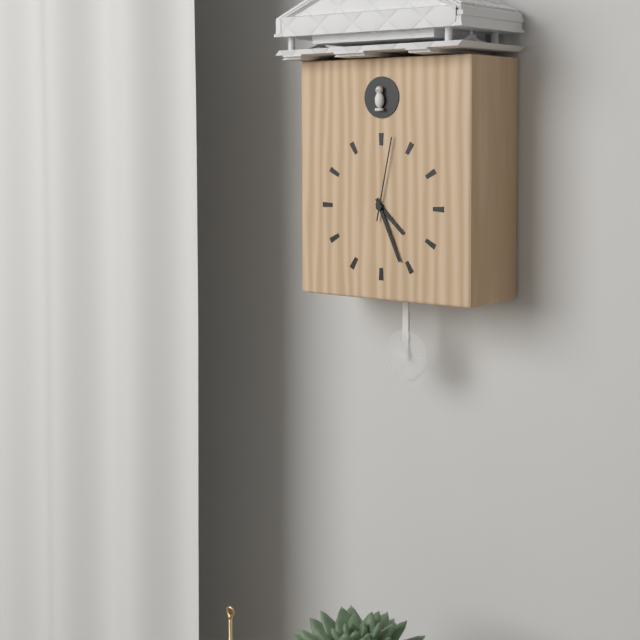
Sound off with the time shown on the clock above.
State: 4:26:02
